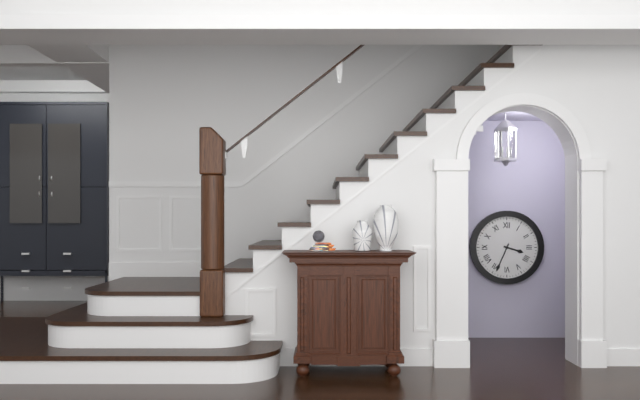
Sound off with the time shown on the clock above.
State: 3:34
